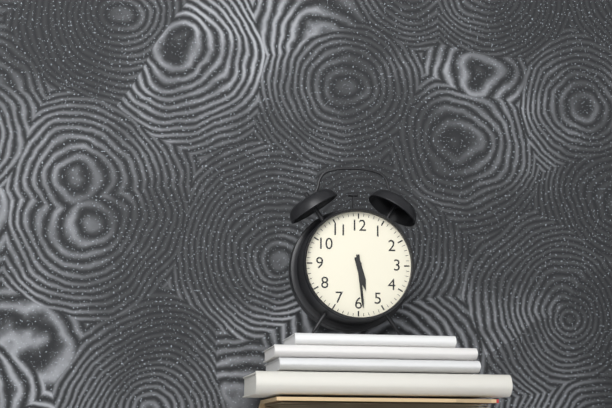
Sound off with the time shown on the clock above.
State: 5:29
